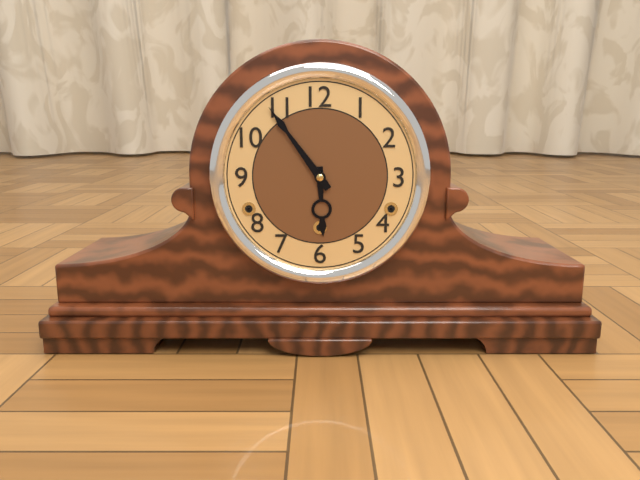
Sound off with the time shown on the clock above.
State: 5:54
